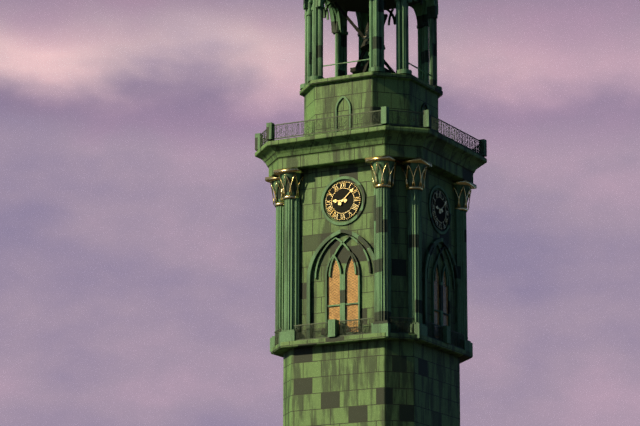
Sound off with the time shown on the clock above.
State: 9:08
